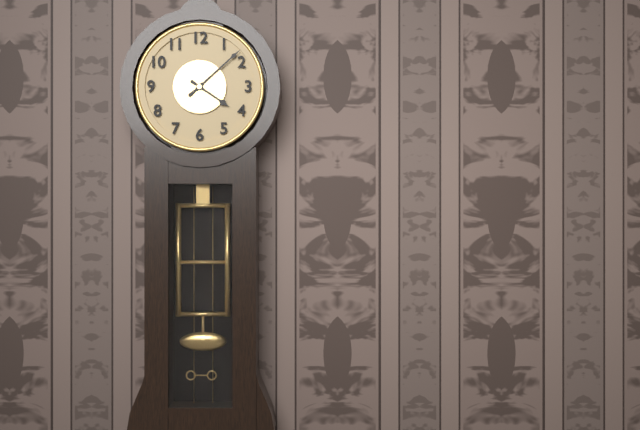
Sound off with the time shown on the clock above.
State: 4:08
